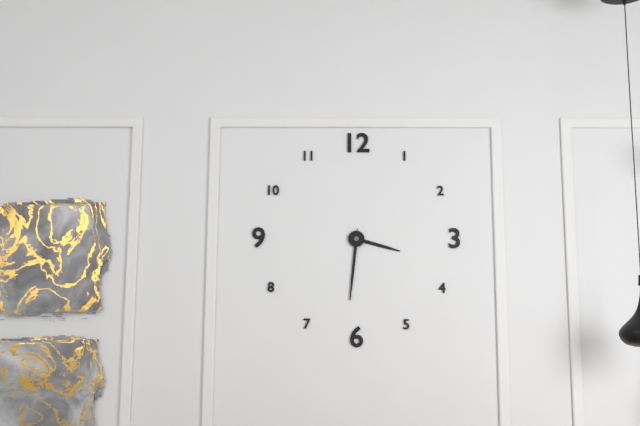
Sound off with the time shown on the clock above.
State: 3:31
